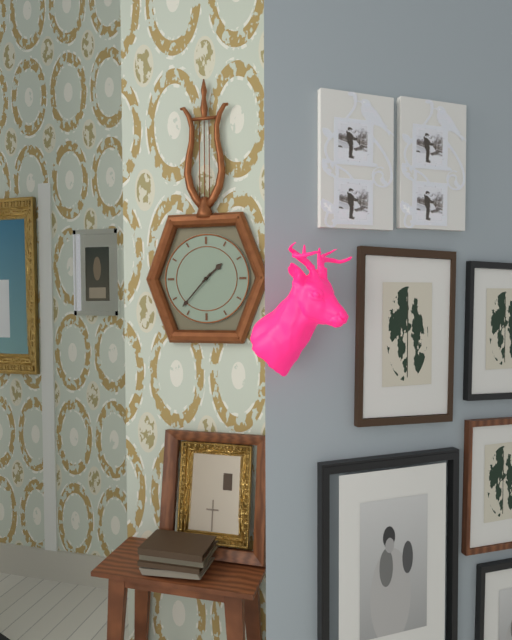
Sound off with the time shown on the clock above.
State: 1:37
